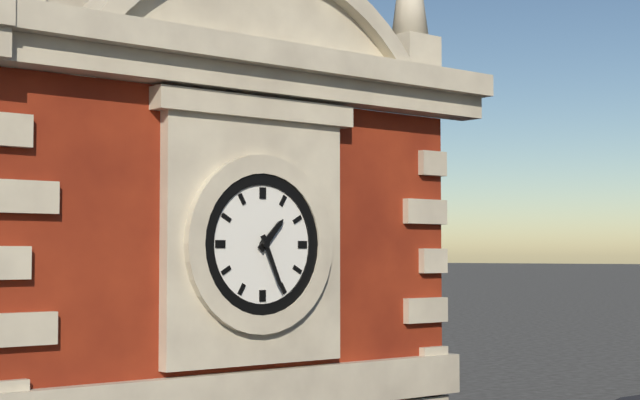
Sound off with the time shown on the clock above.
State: 1:26
